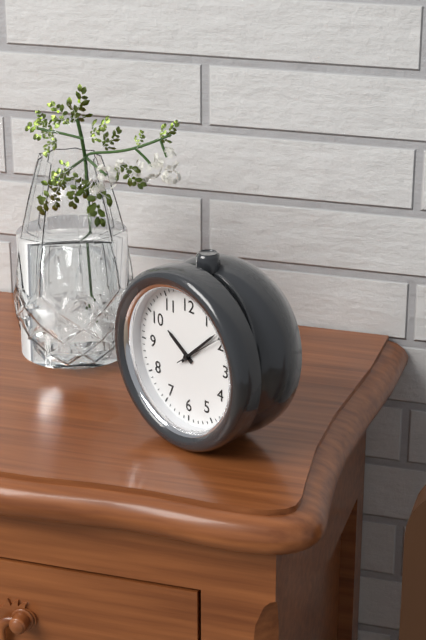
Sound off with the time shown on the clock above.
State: 10:08
